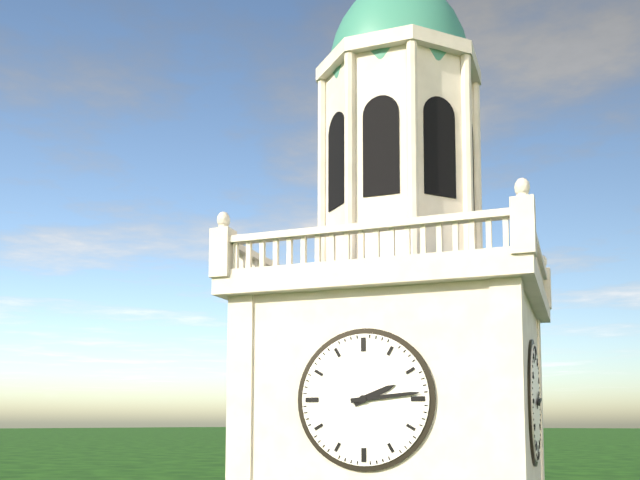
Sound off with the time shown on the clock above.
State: 2:14
